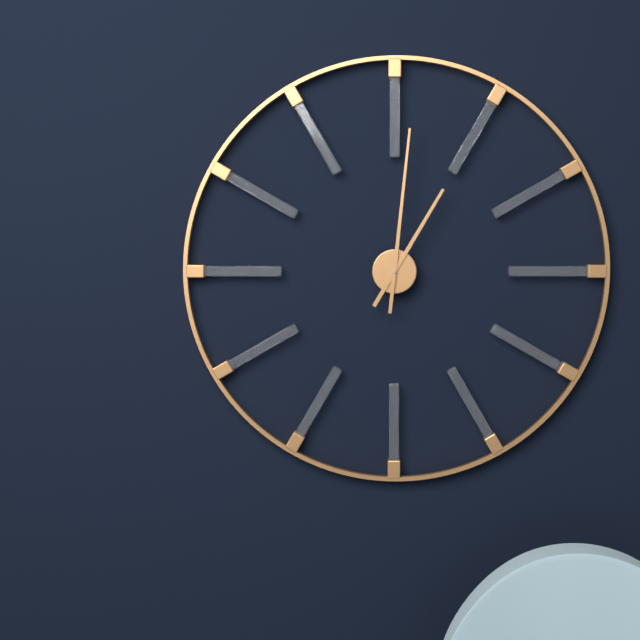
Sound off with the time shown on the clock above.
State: 1:01
